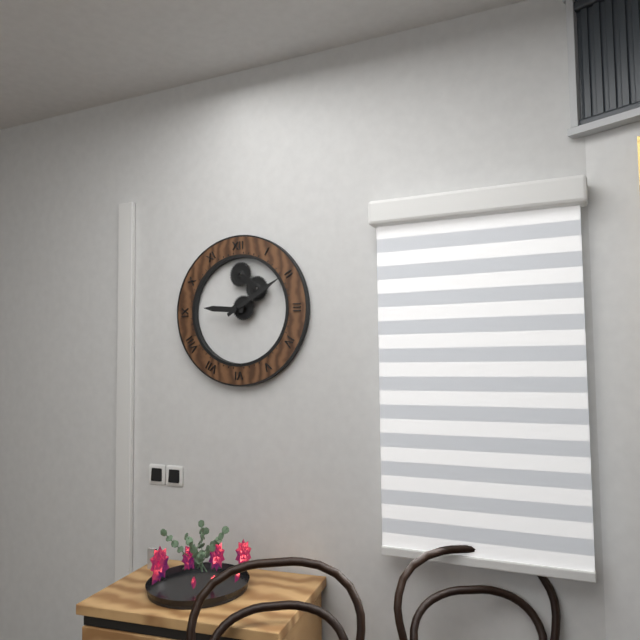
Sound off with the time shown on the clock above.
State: 9:10
